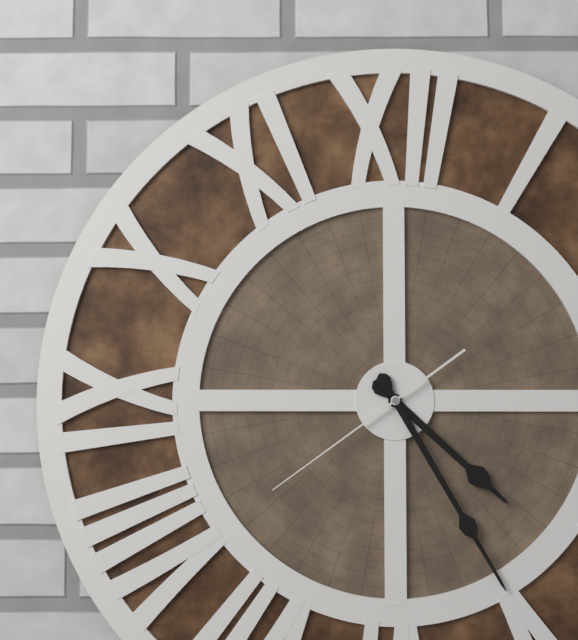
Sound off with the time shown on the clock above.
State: 4:25:39
